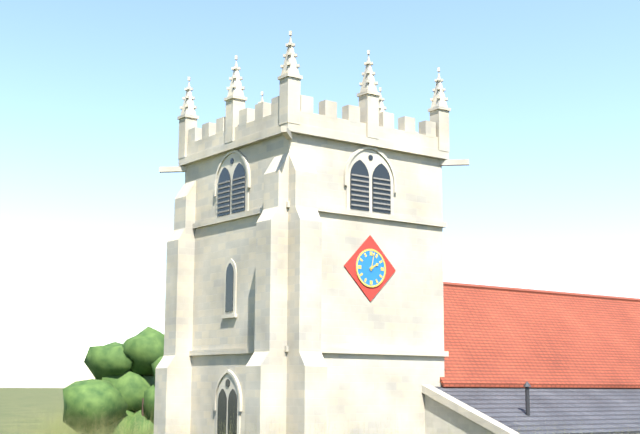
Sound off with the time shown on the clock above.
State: 2:02
